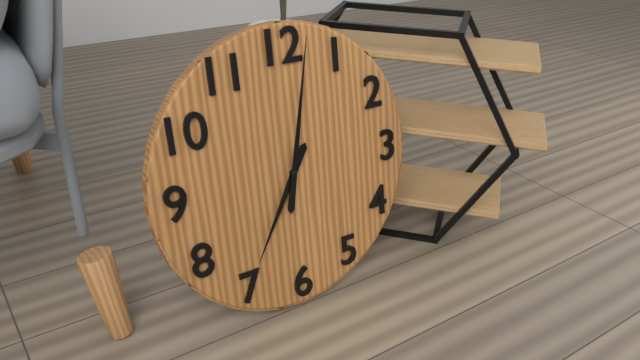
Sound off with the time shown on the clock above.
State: 7:02
